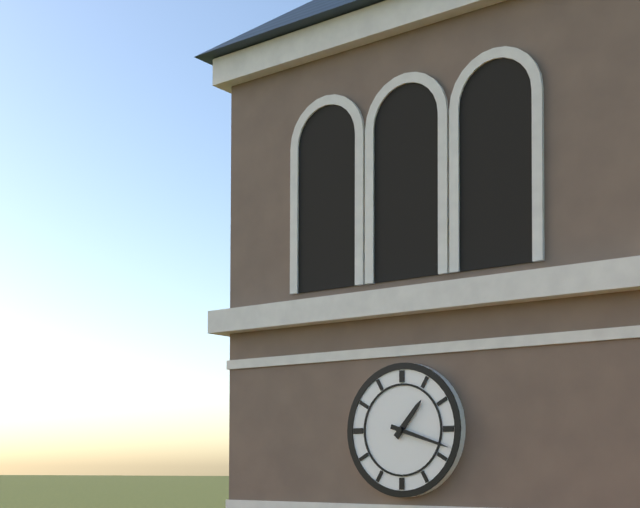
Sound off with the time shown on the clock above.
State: 1:18
